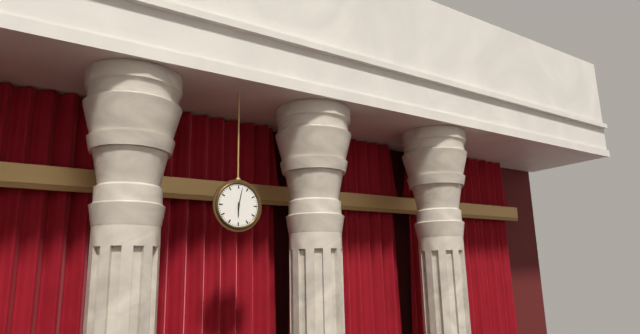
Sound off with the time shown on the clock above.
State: 6:02
